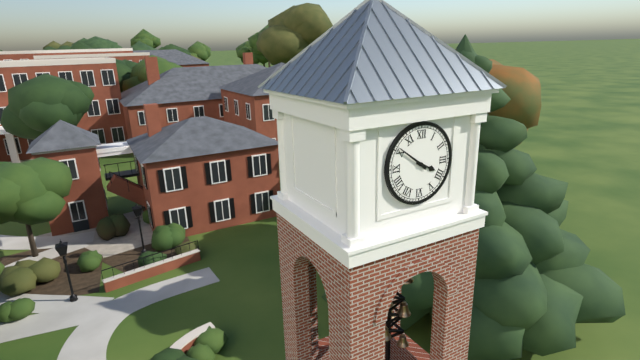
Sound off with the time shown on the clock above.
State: 3:51
